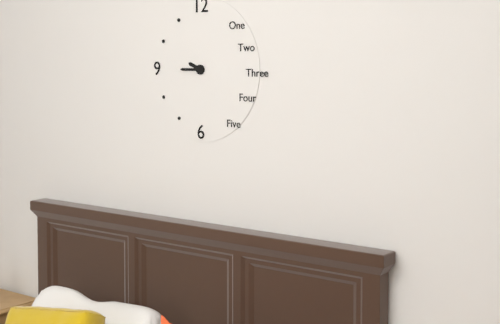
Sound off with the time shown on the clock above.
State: 9:45
